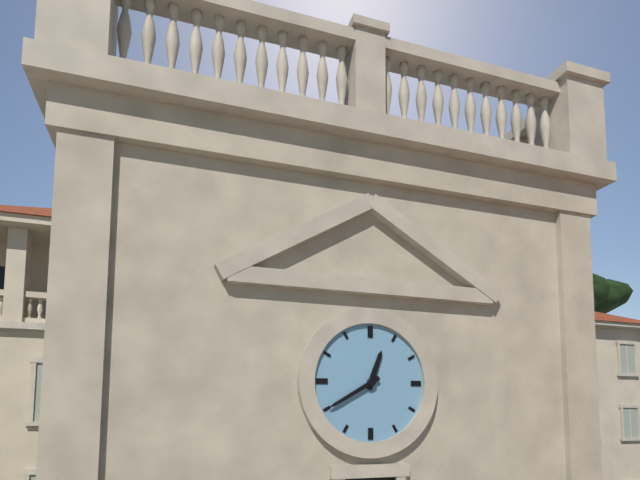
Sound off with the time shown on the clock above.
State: 12:40
